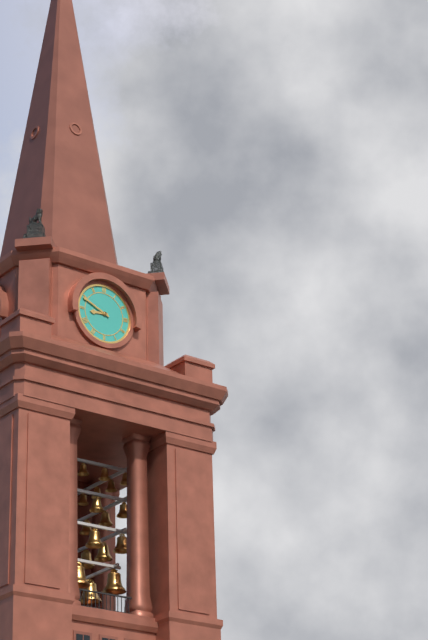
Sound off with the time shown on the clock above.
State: 8:49
